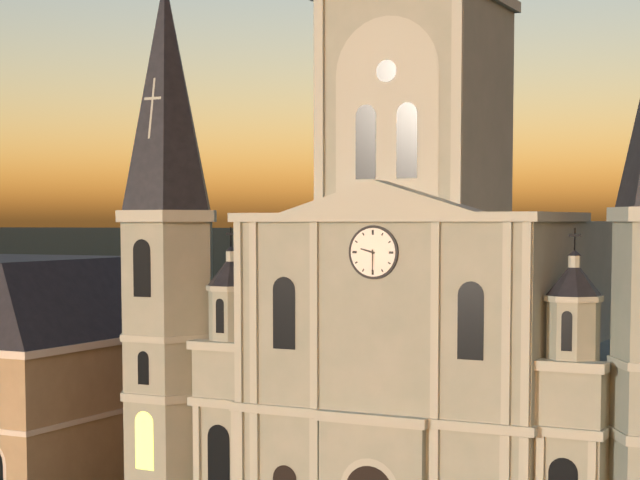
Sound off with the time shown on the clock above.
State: 9:30
